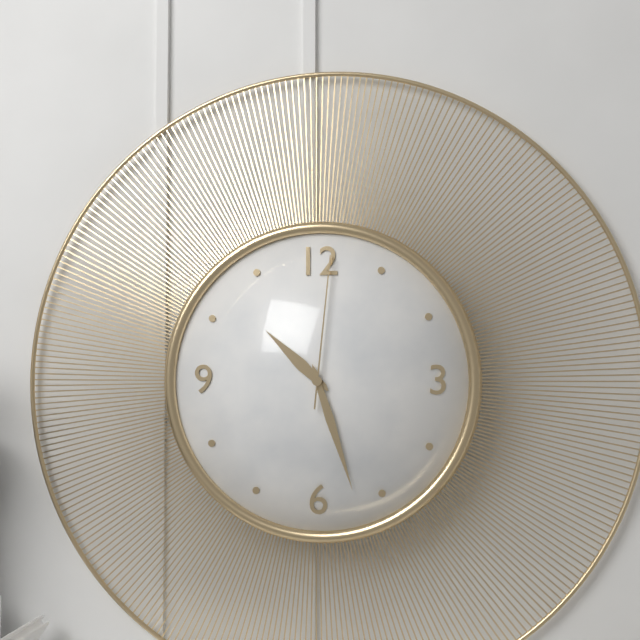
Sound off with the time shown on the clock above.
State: 10:27:01
